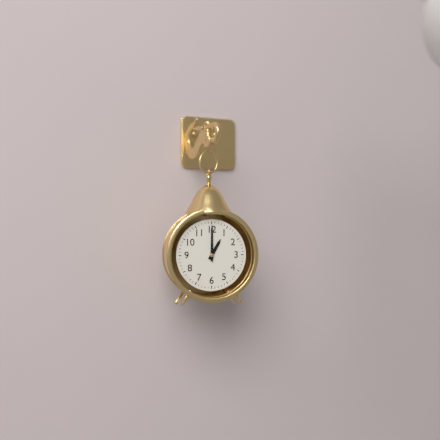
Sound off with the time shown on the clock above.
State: 1:00
